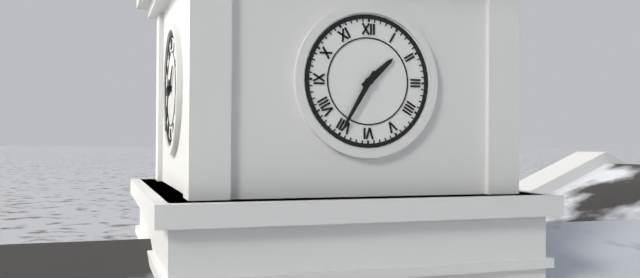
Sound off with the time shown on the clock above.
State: 1:35
